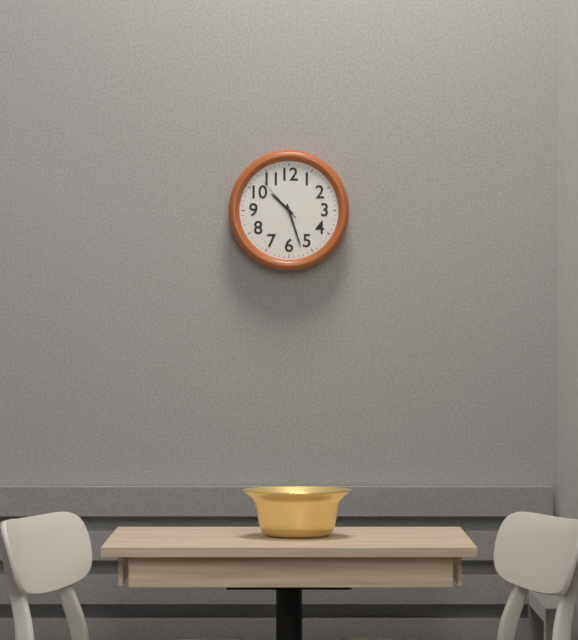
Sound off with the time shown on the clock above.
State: 10:27:53
